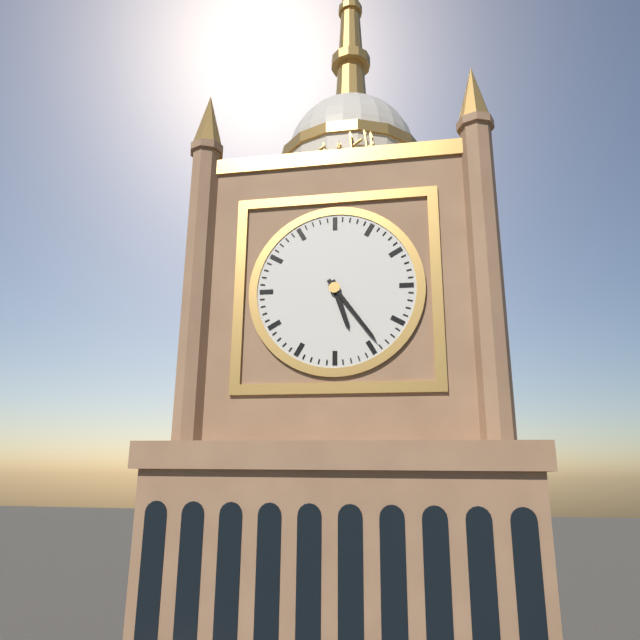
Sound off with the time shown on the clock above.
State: 5:24
